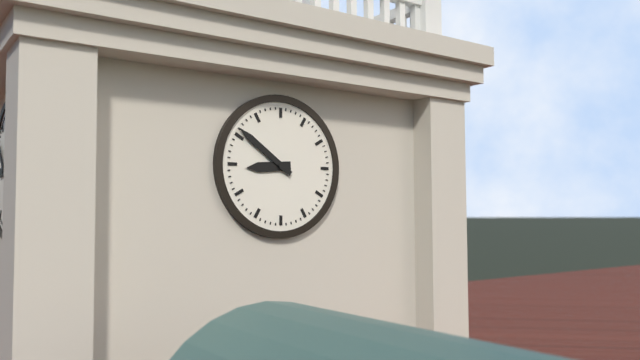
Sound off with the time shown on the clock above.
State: 8:51
